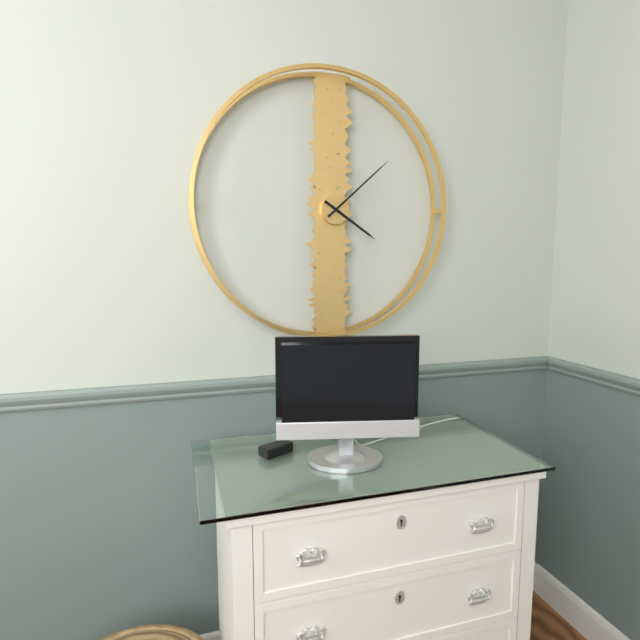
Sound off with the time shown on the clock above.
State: 4:08
